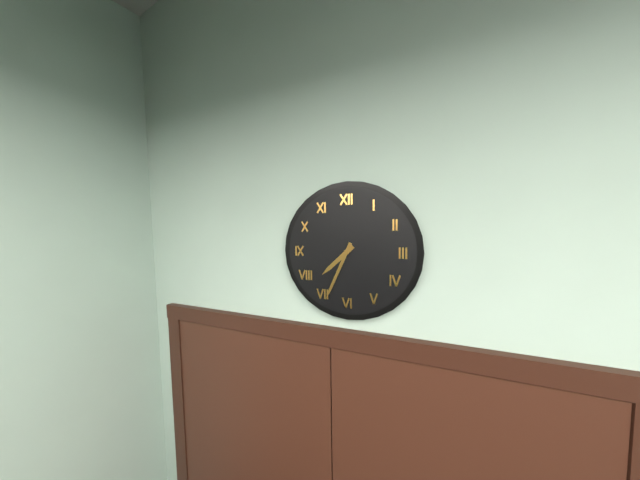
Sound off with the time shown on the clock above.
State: 7:34
